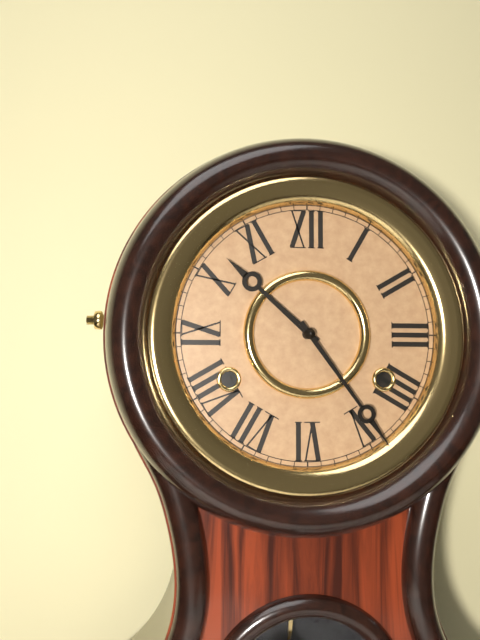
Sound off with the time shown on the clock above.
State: 10:24
